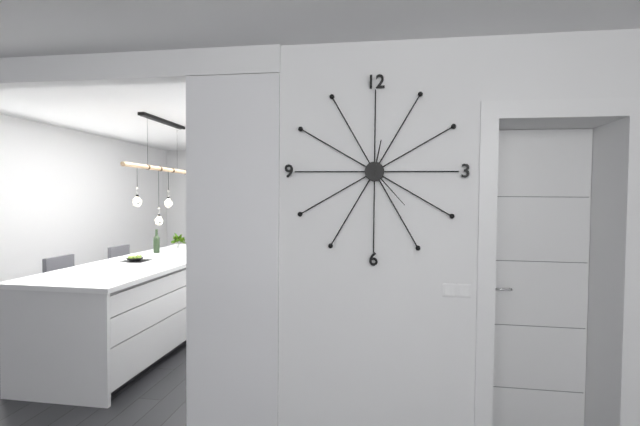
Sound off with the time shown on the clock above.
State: 12:23
